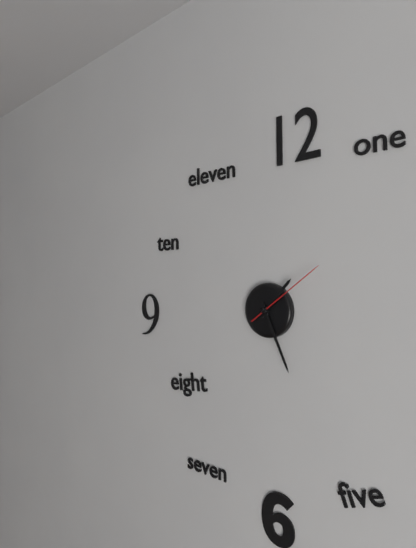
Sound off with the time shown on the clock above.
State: 1:26:09
